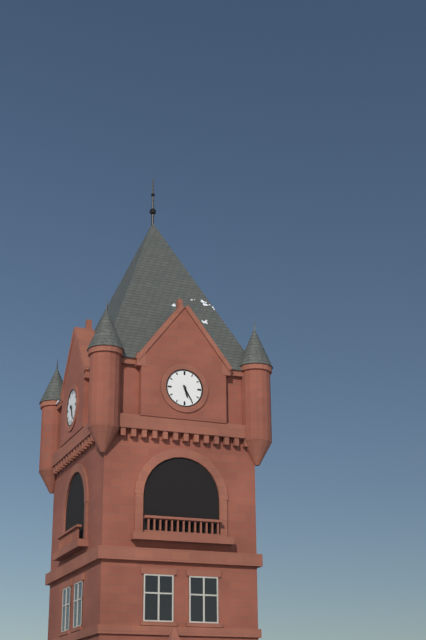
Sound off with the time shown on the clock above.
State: 5:25
